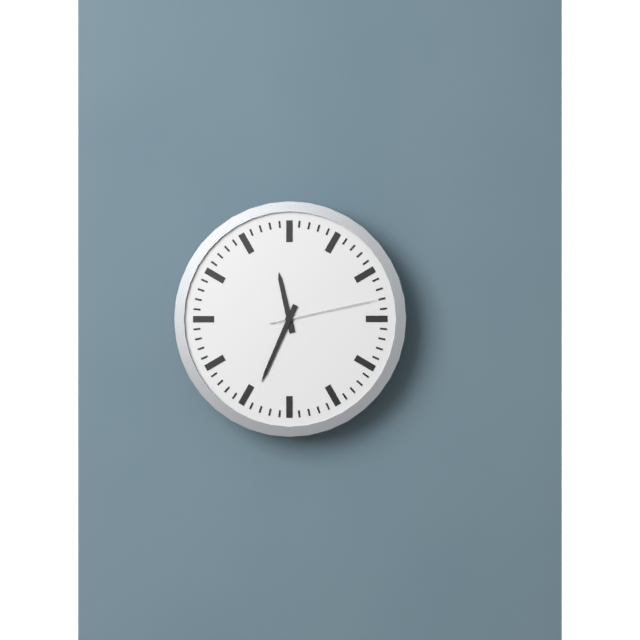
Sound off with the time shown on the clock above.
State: 11:34:13
